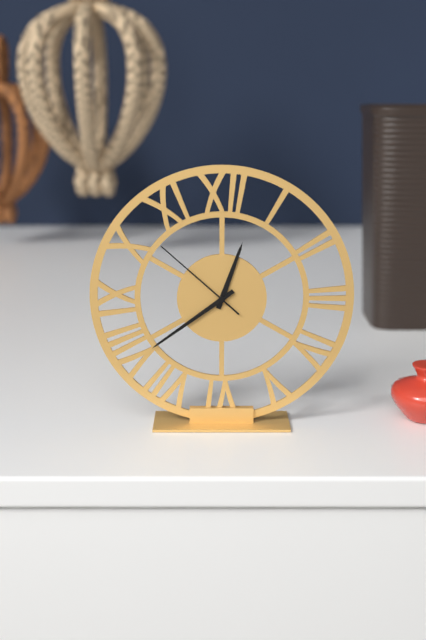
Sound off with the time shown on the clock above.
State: 12:39:52
